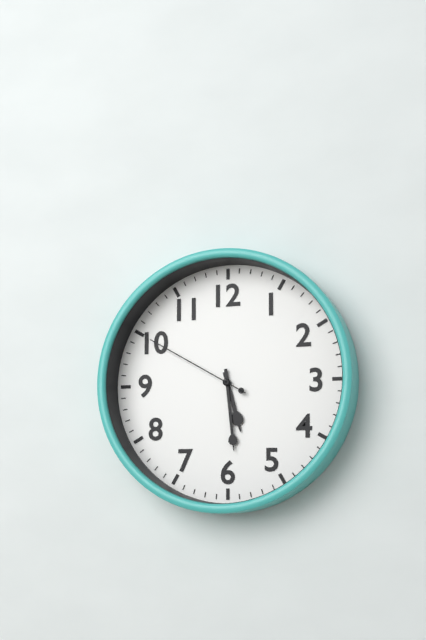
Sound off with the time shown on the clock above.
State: 5:29:50
